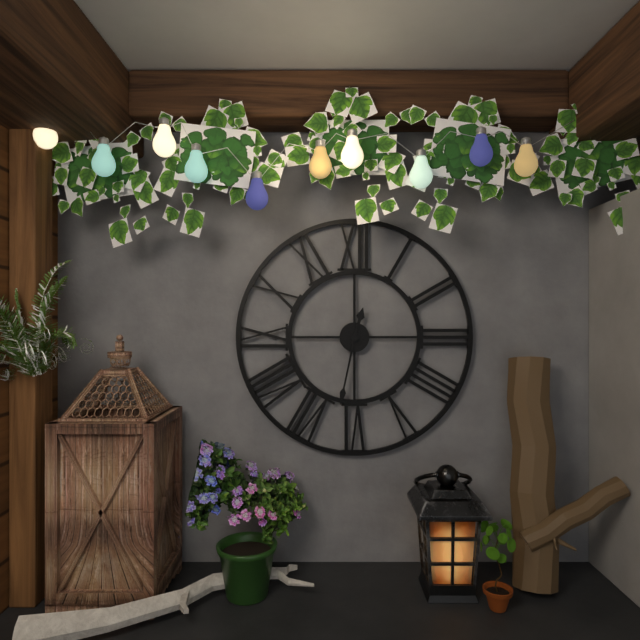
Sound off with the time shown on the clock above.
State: 12:32
